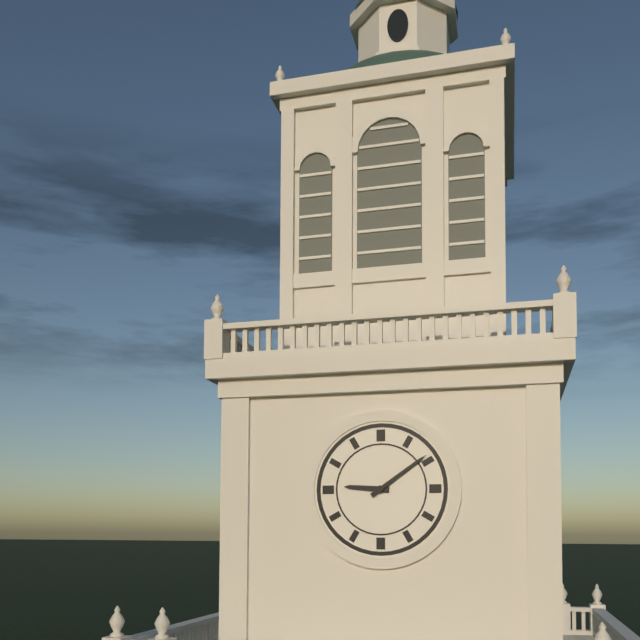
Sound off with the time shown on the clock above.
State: 9:09
